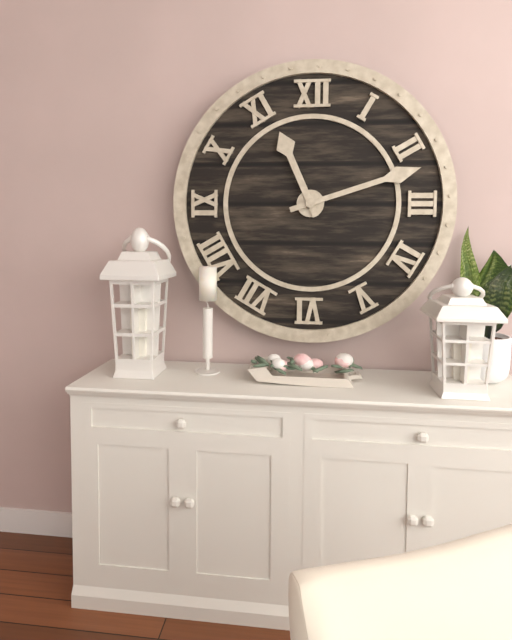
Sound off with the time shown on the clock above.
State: 11:12
